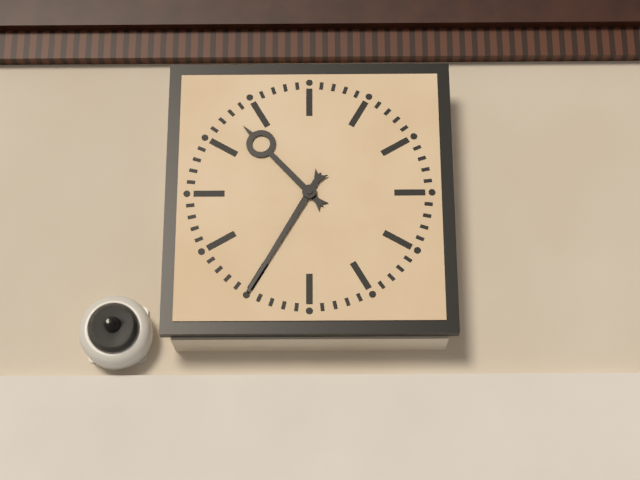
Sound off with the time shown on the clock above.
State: 10:35
